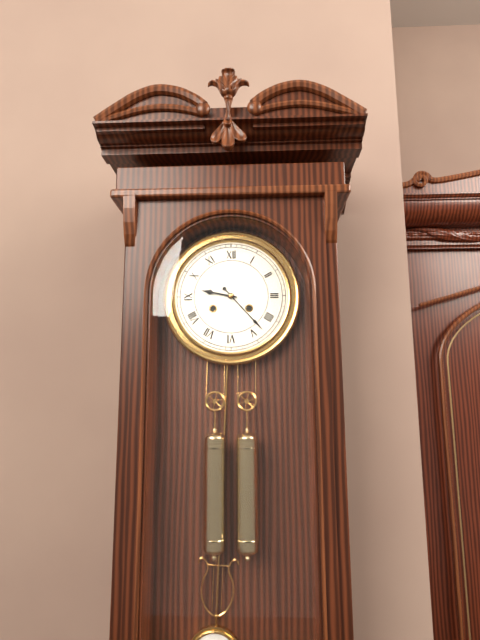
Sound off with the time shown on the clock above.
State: 9:23
